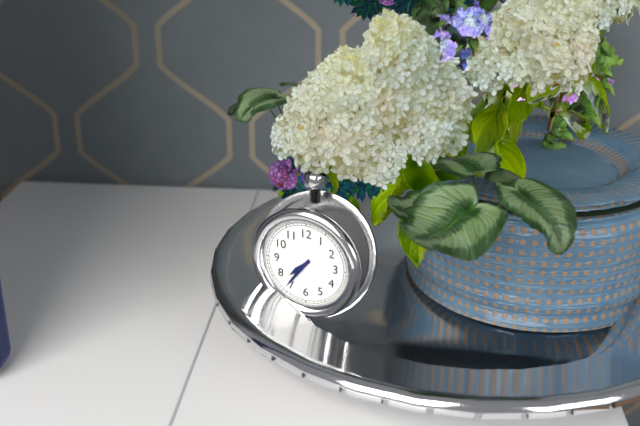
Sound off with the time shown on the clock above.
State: 7:36
